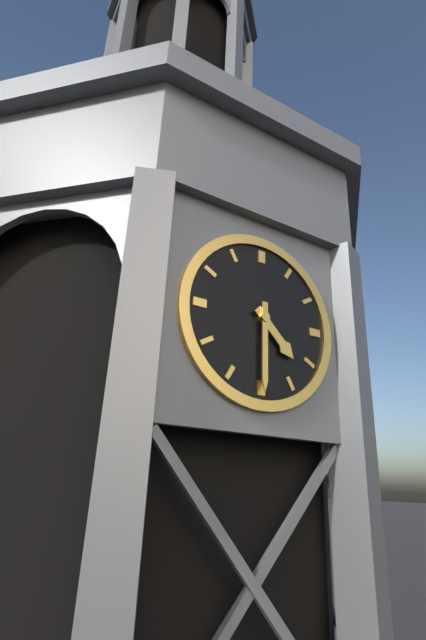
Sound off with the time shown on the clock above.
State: 4:30
